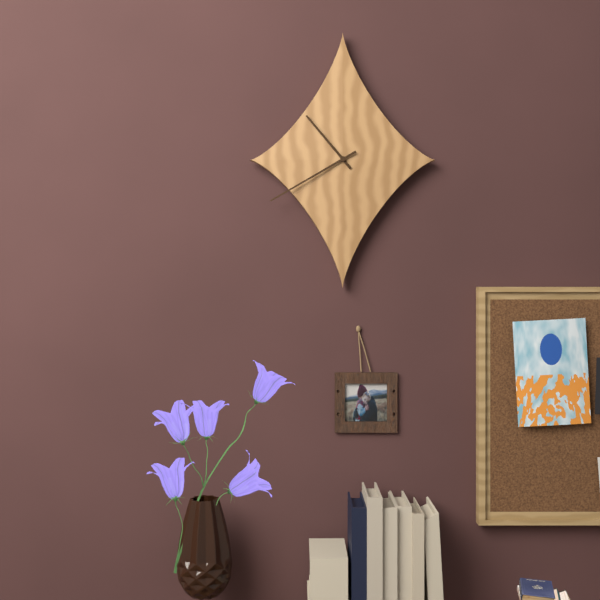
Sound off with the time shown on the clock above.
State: 10:40
